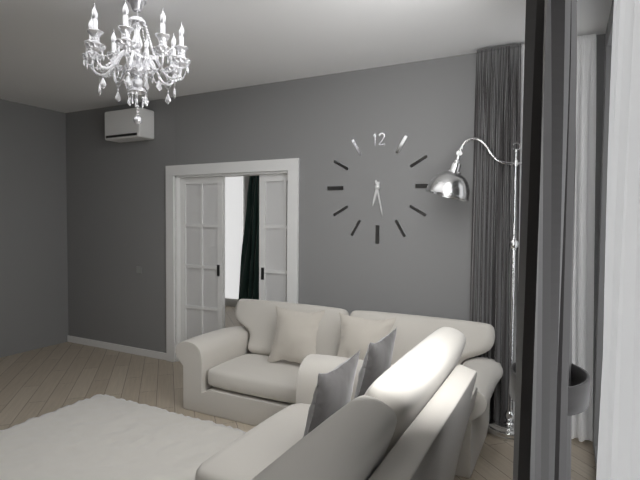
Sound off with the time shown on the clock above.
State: 6:28
